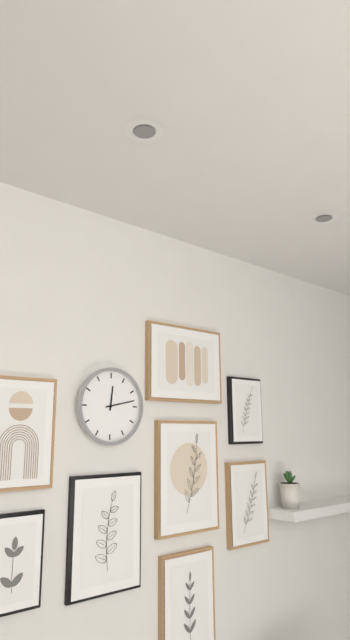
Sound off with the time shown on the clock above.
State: 12:13
